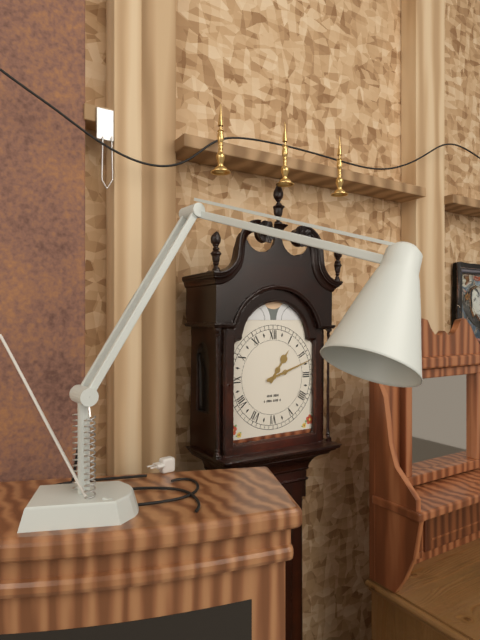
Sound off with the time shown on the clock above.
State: 1:12
